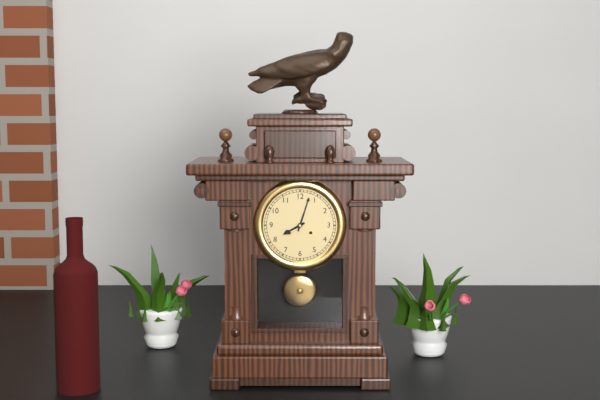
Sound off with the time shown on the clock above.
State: 8:03
